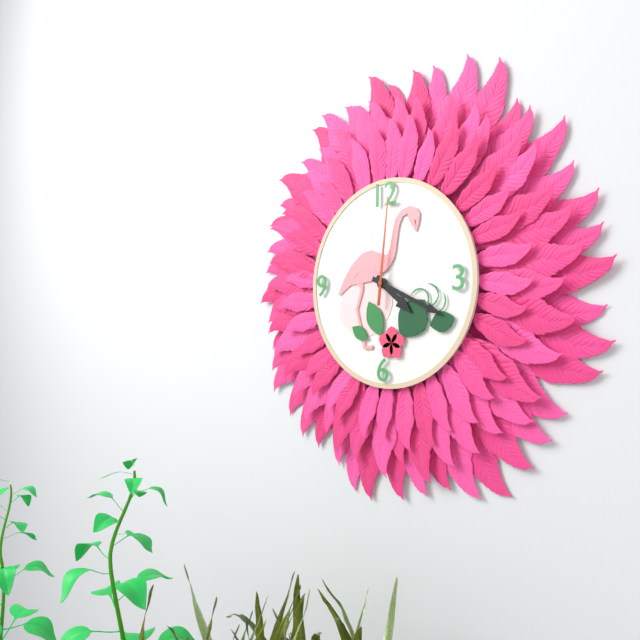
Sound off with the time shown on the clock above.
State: 4:19:01
